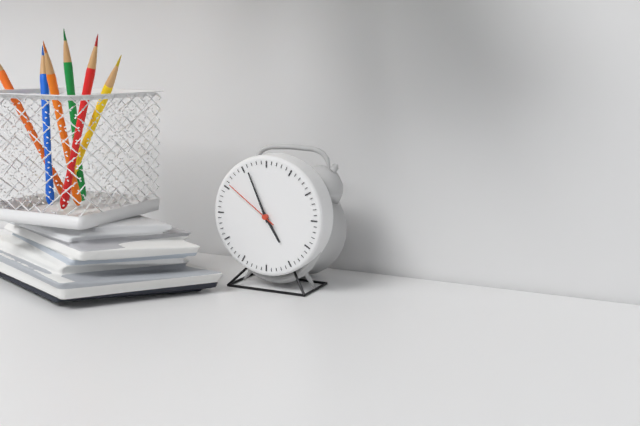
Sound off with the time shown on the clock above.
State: 4:56:51
